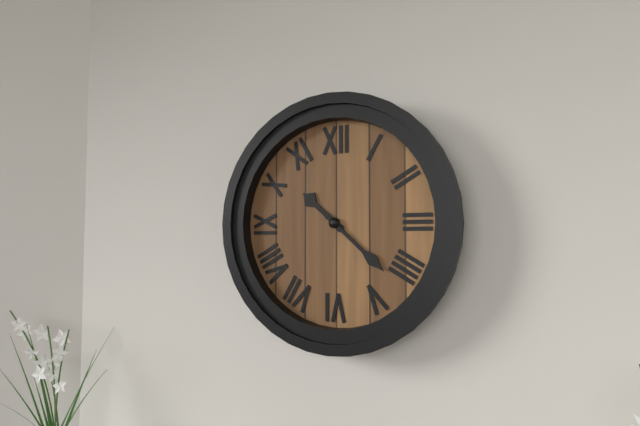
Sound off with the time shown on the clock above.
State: 10:22
